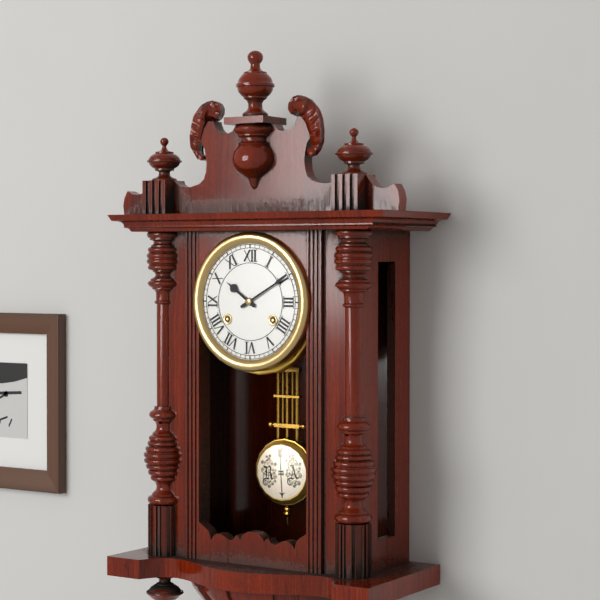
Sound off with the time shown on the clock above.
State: 10:10
